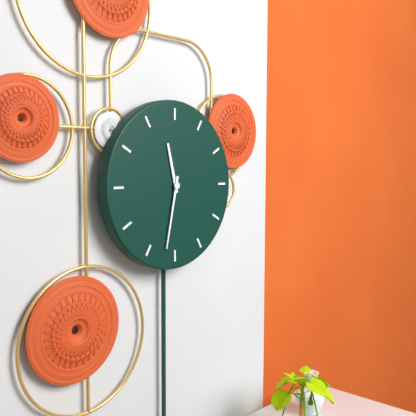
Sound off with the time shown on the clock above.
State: 11:32
